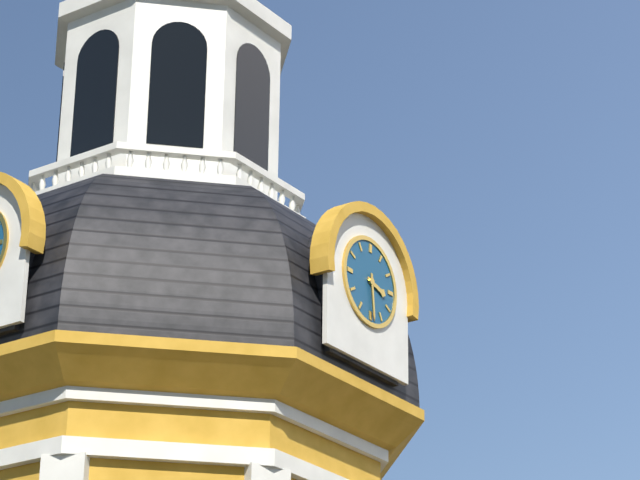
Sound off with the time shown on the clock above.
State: 3:29
